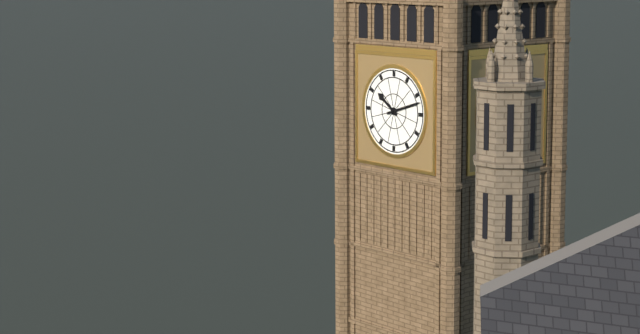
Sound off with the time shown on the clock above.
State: 10:12
